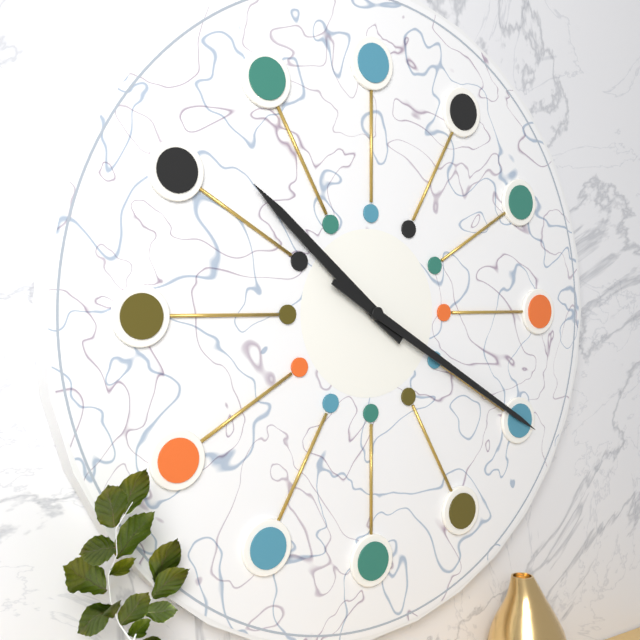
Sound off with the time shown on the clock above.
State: 10:20
